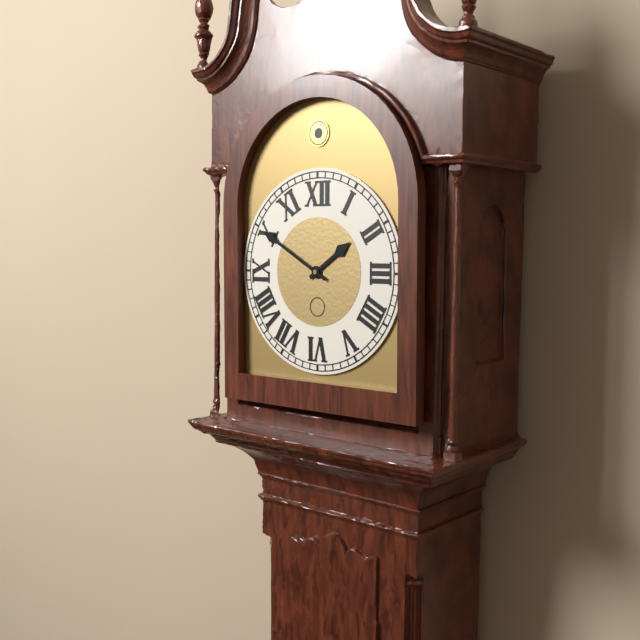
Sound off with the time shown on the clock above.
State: 1:50
